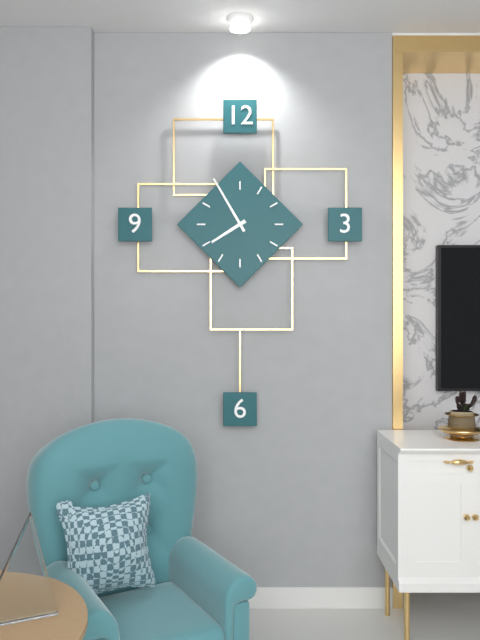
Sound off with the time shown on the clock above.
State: 7:55
